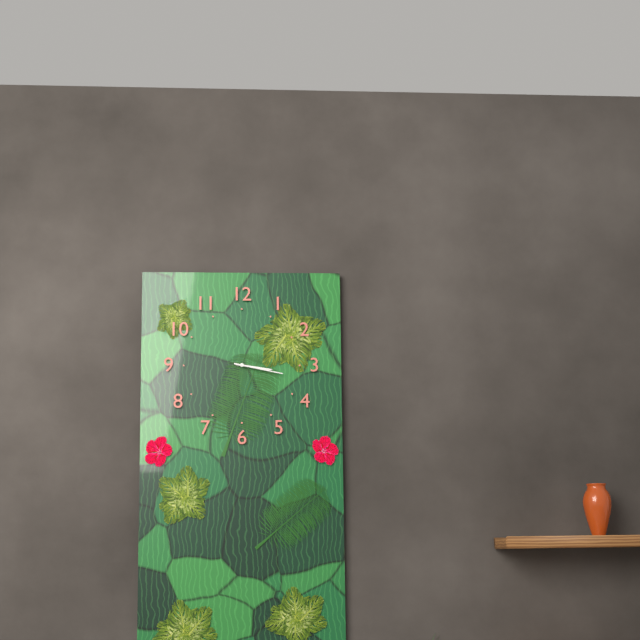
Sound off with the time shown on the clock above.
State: 3:17
